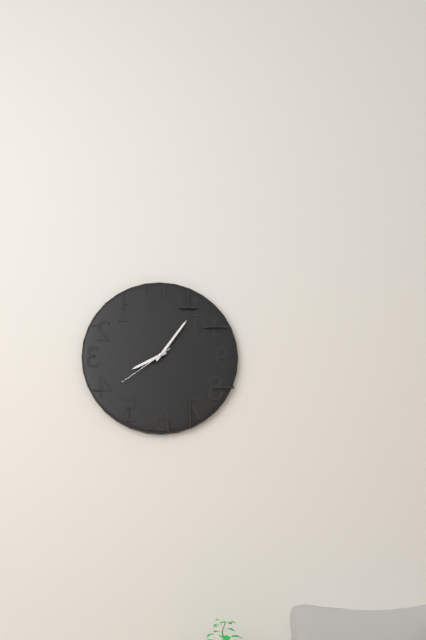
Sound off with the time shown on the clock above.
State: 8:06:39
